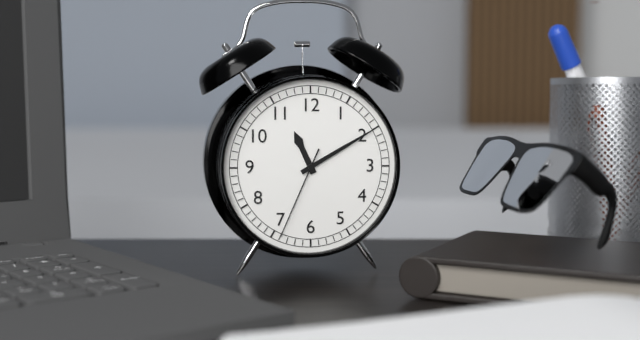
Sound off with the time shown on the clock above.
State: 11:10:34
